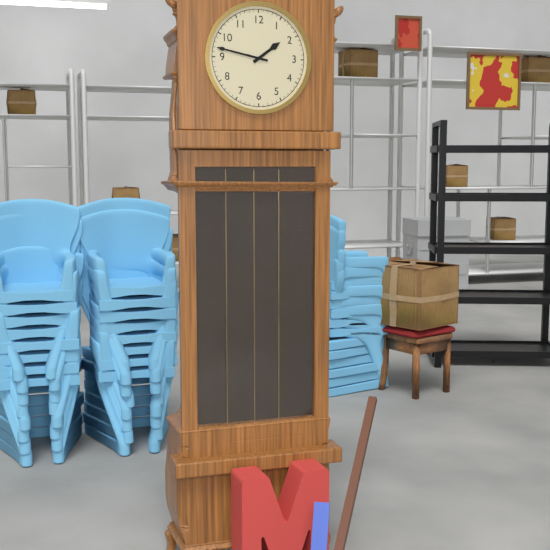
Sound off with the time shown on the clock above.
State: 1:47
